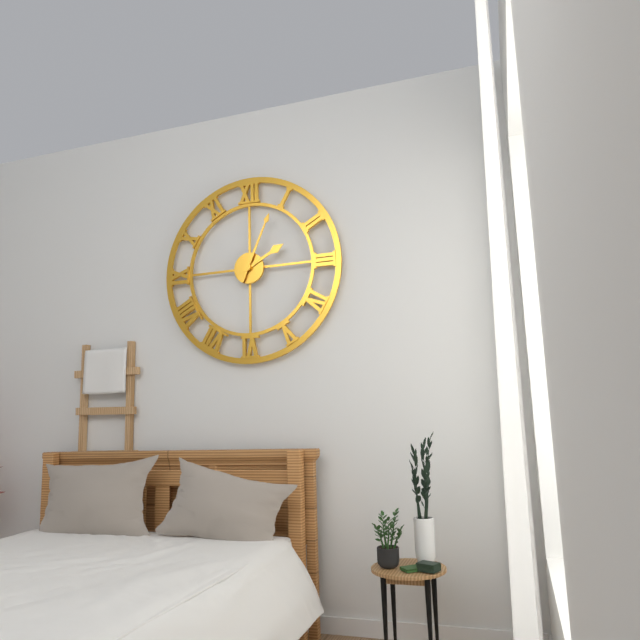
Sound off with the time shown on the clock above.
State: 2:04
